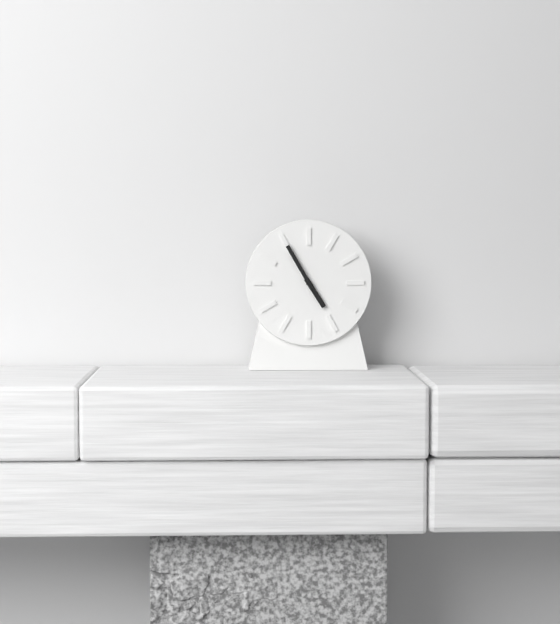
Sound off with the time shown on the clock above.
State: 4:55
